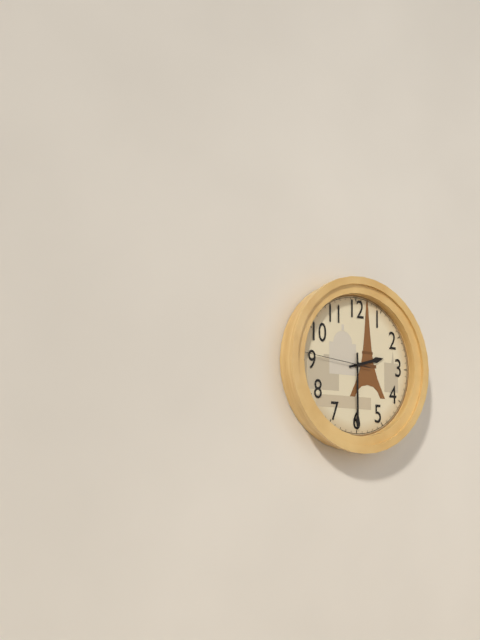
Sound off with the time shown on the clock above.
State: 2:30:46
